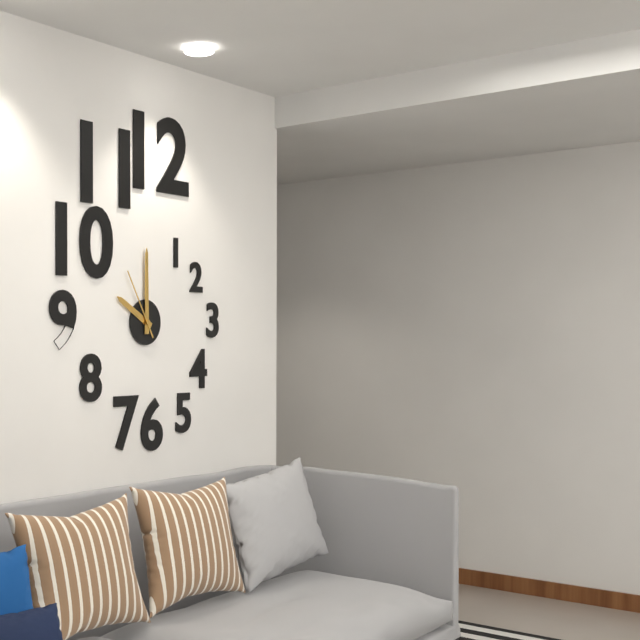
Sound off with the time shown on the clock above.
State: 10:00:55
